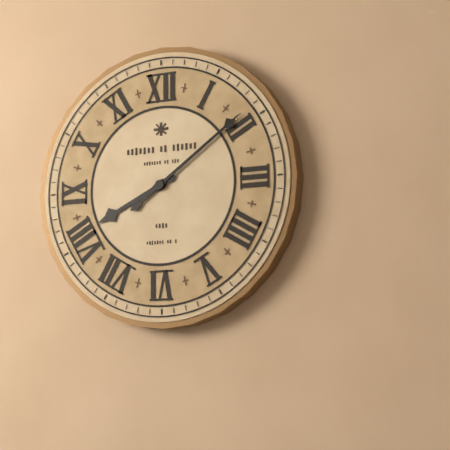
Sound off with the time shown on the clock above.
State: 8:09
